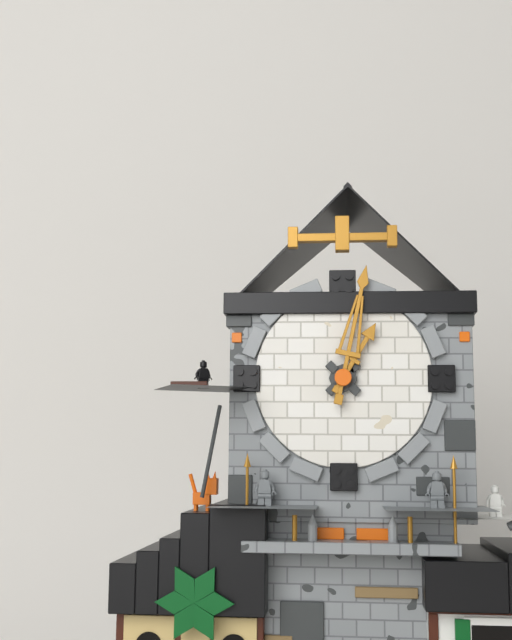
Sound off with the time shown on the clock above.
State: 1:02
